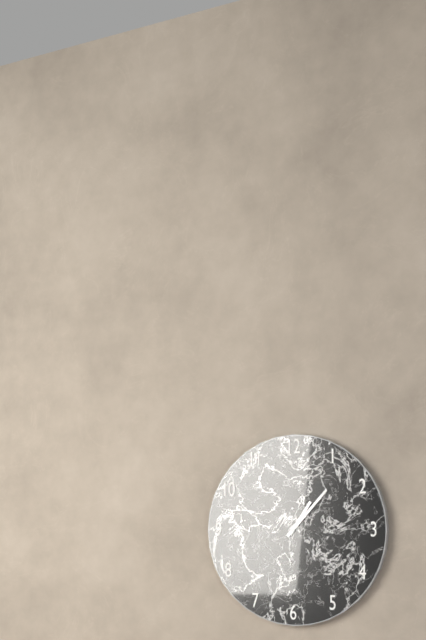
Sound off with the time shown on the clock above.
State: 1:07
